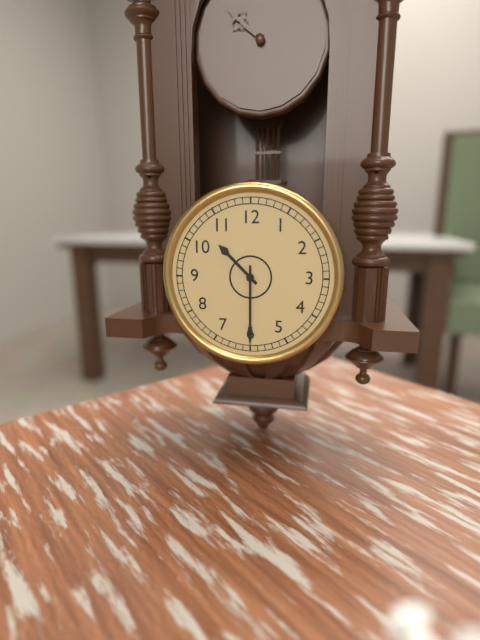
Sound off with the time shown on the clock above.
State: 10:30
